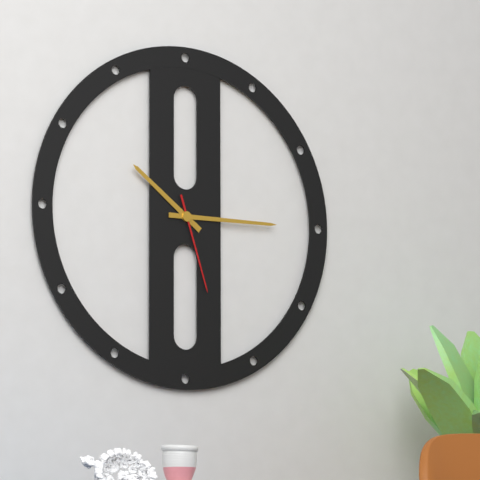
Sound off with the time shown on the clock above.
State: 10:15:27
